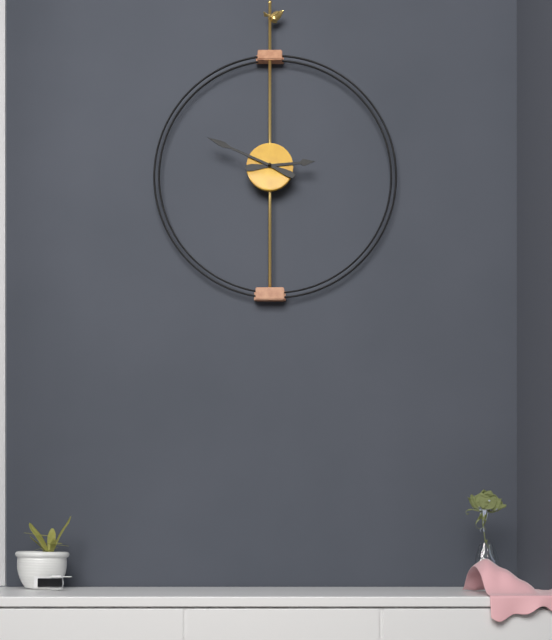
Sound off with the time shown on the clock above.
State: 2:49
